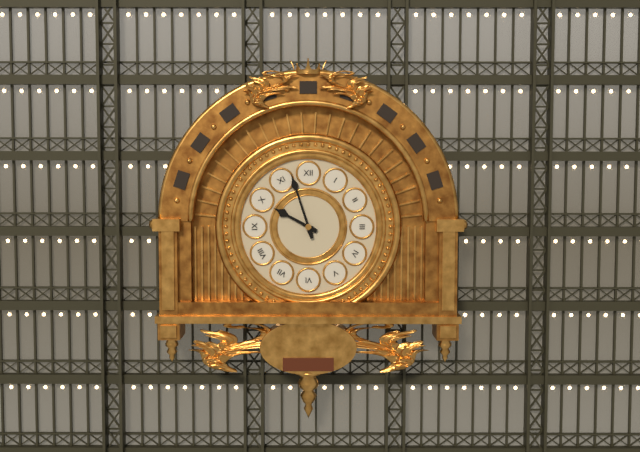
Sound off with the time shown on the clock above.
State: 9:57
